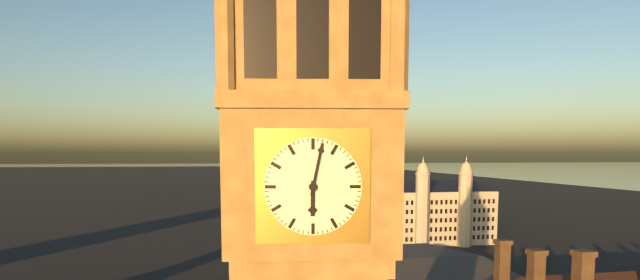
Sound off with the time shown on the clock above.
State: 6:02
